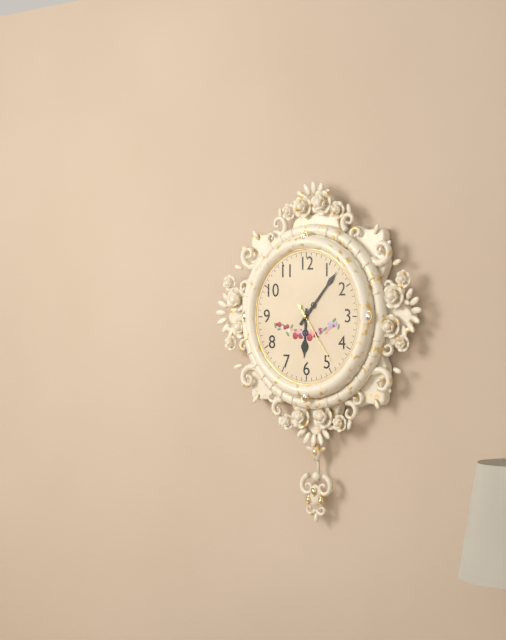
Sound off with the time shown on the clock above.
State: 6:07:24
